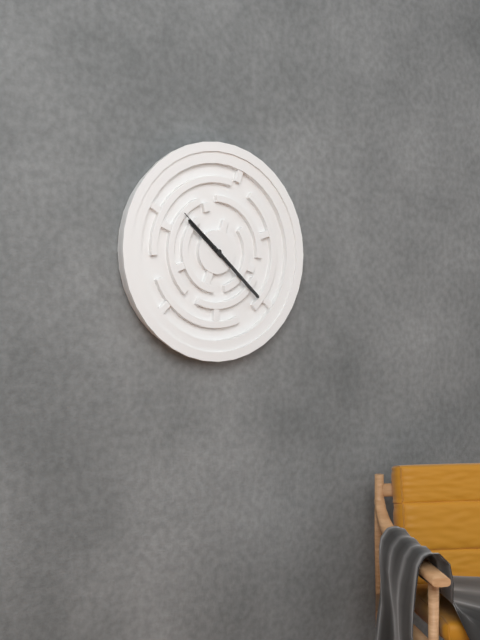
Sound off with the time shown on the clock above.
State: 10:22:52
